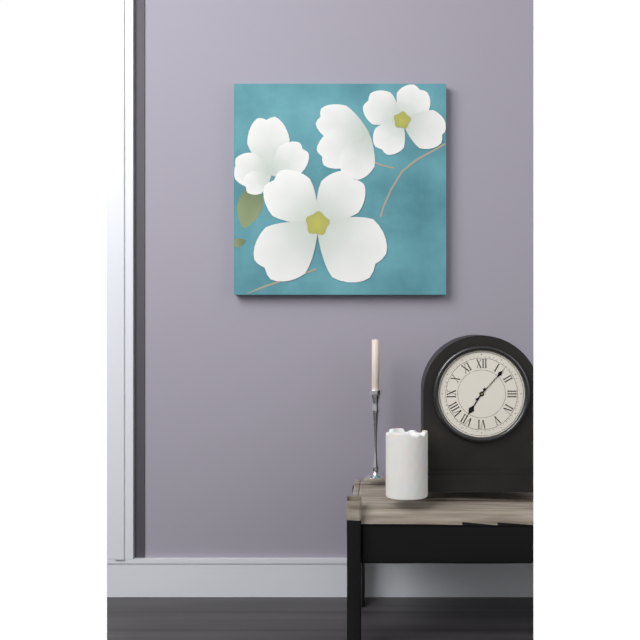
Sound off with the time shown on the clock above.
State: 7:07
